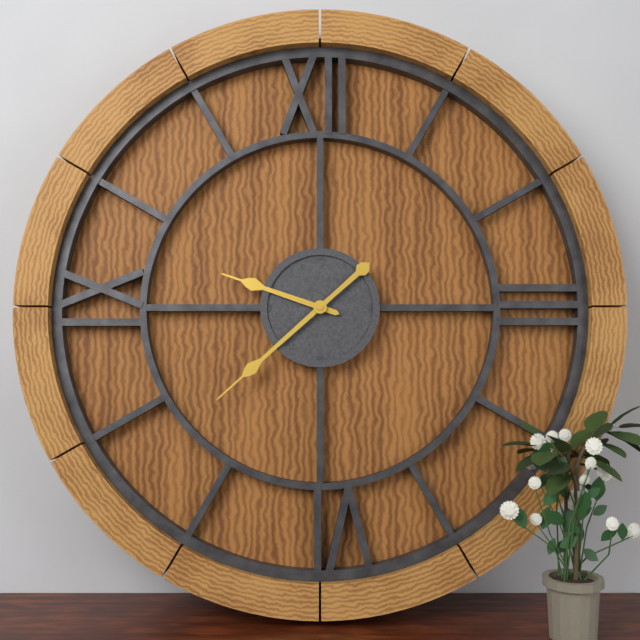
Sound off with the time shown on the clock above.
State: 9:38
